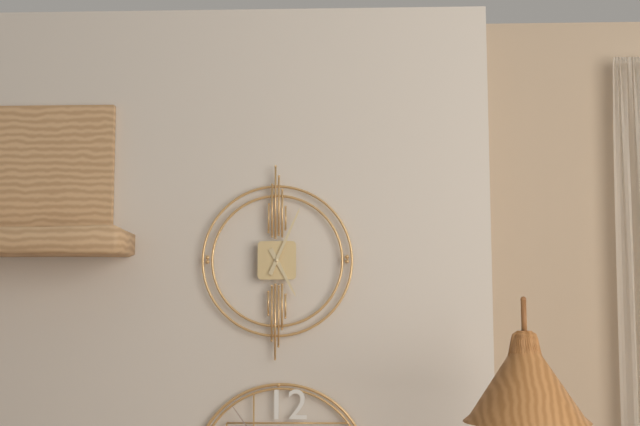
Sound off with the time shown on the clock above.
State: 5:04
